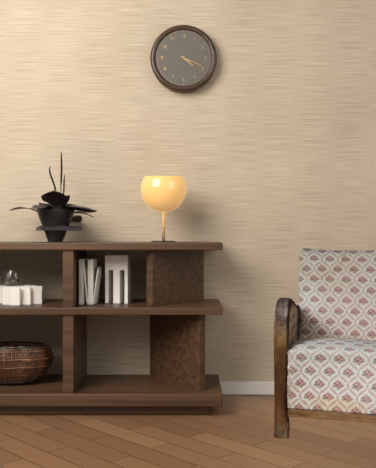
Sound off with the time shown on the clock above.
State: 4:19
